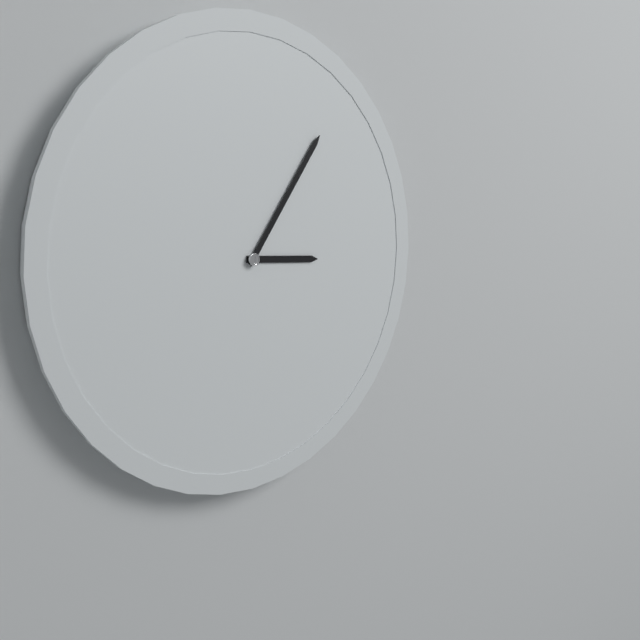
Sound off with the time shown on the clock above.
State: 3:06
